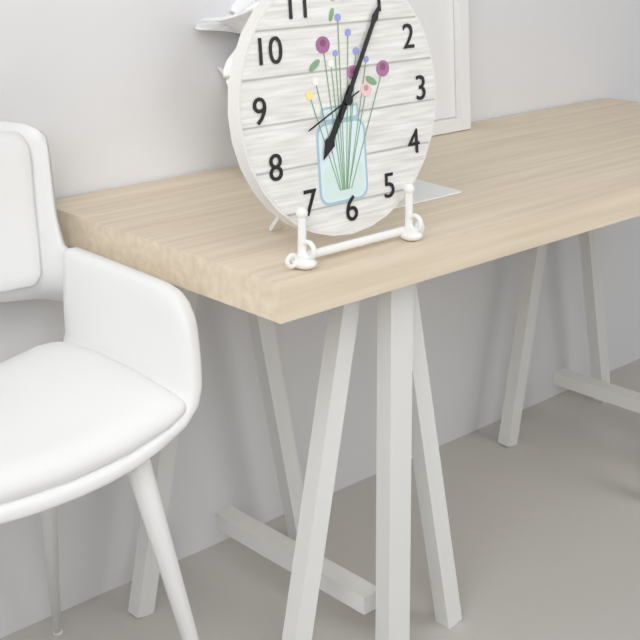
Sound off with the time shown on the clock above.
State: 7:05:41
